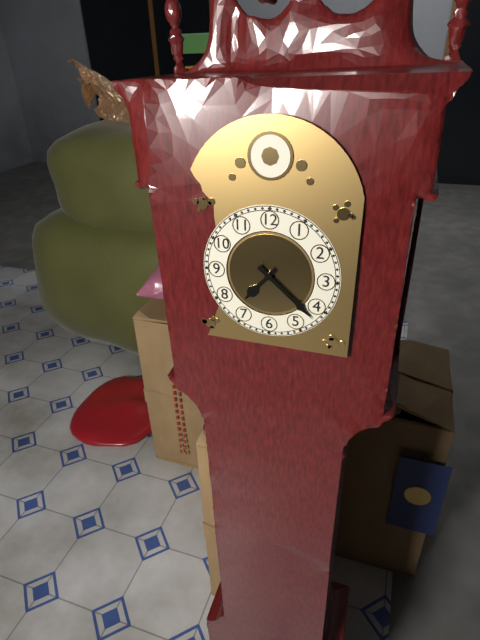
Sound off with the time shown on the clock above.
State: 7:22
